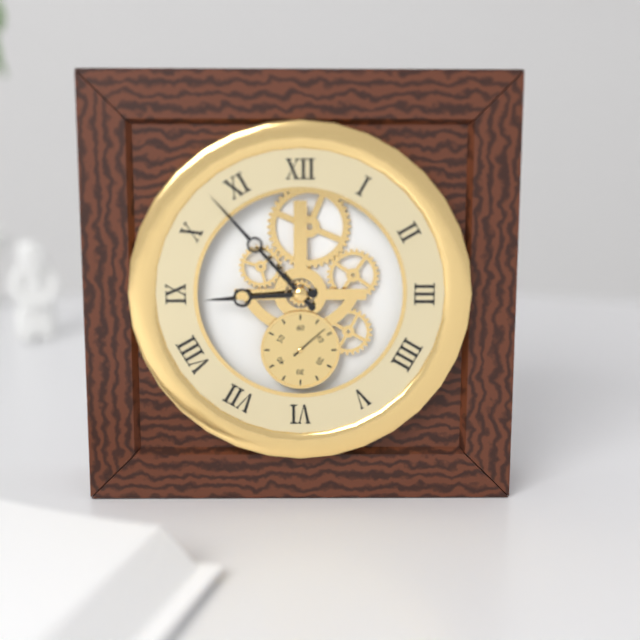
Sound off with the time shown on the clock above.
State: 8:53
